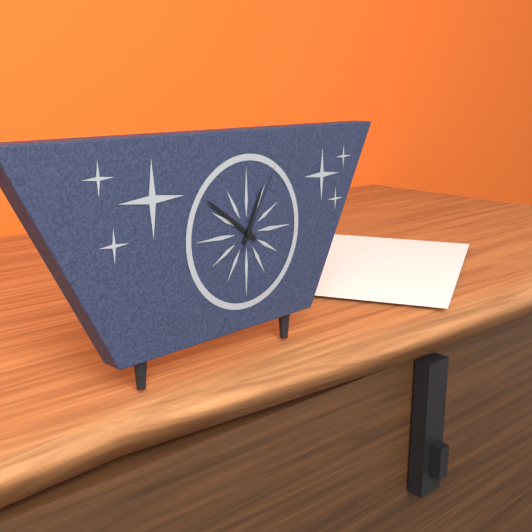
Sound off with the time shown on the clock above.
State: 12:51:05
